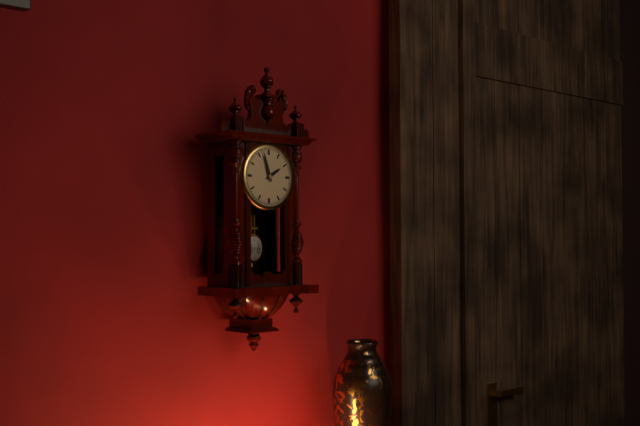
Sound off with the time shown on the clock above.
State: 1:57
